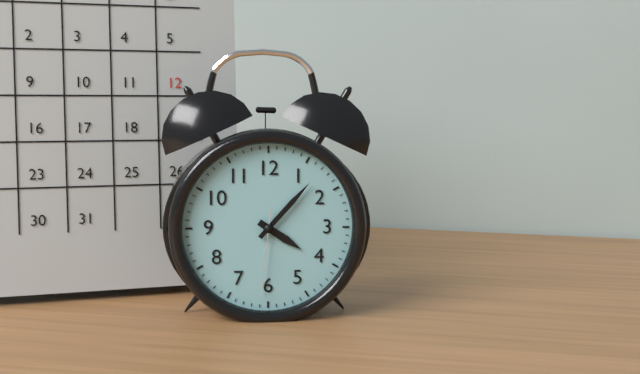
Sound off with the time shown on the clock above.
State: 4:07:31
